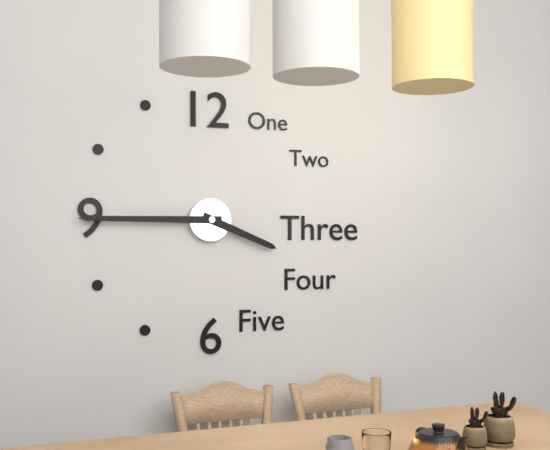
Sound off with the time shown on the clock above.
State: 3:45
